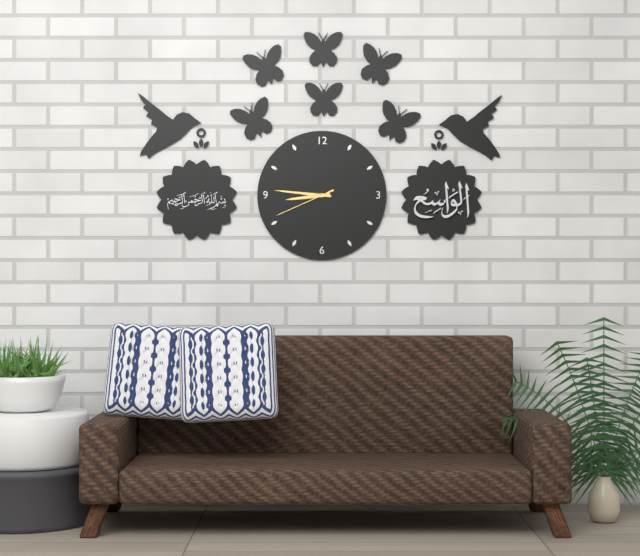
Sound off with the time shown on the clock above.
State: 8:46:41
